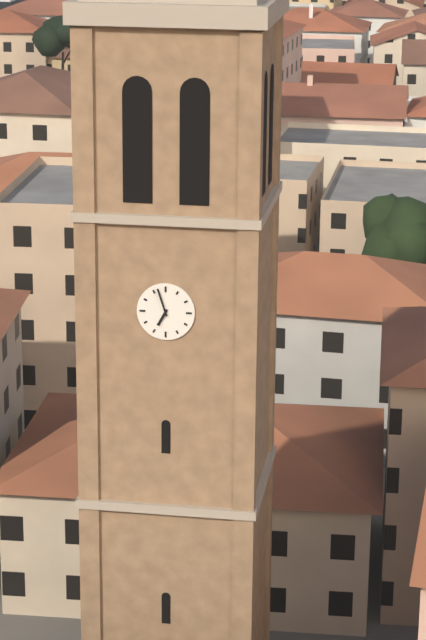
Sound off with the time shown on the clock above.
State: 6:57
